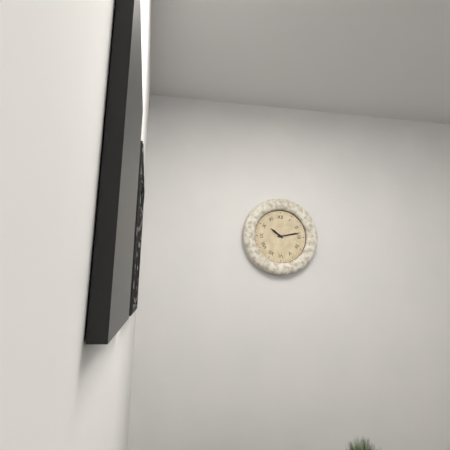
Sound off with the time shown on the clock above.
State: 10:13
